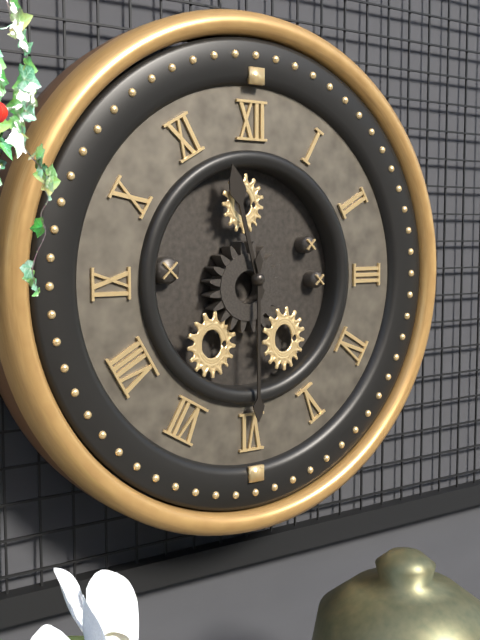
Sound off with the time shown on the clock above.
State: 11:30
